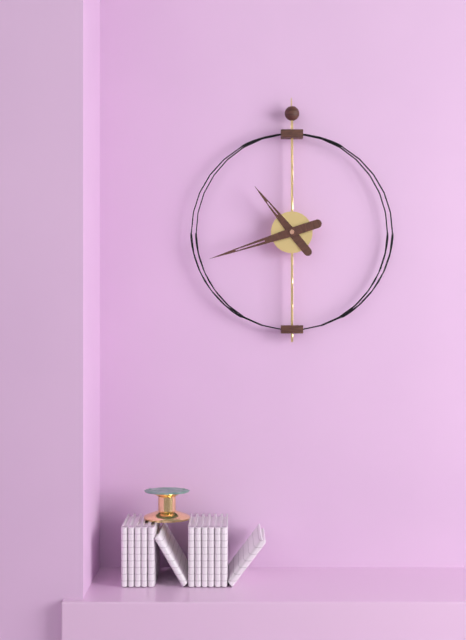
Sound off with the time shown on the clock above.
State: 10:42
